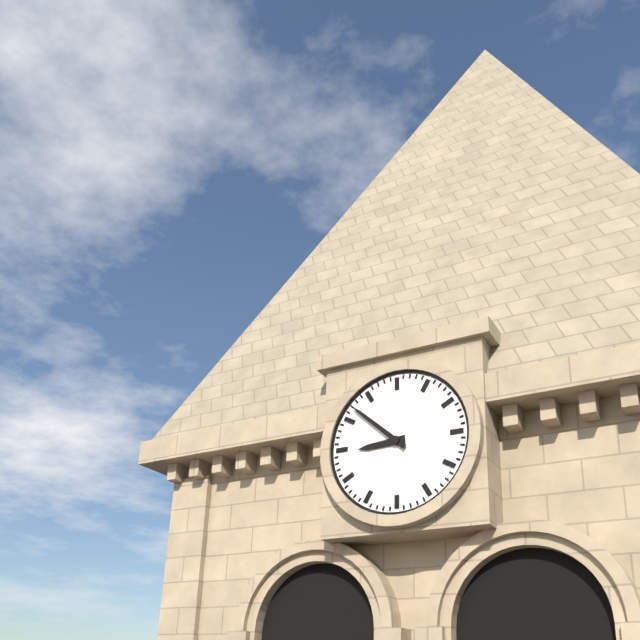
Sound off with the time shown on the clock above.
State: 8:52
